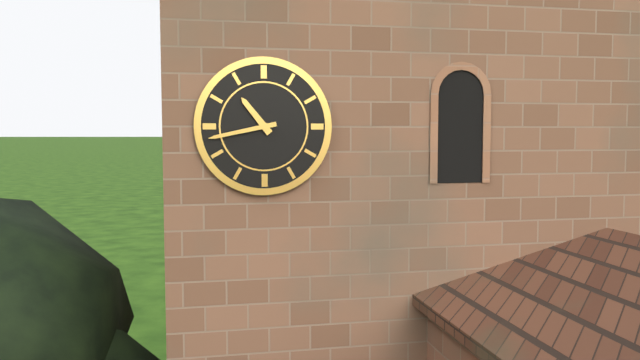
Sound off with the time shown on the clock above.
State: 10:43
